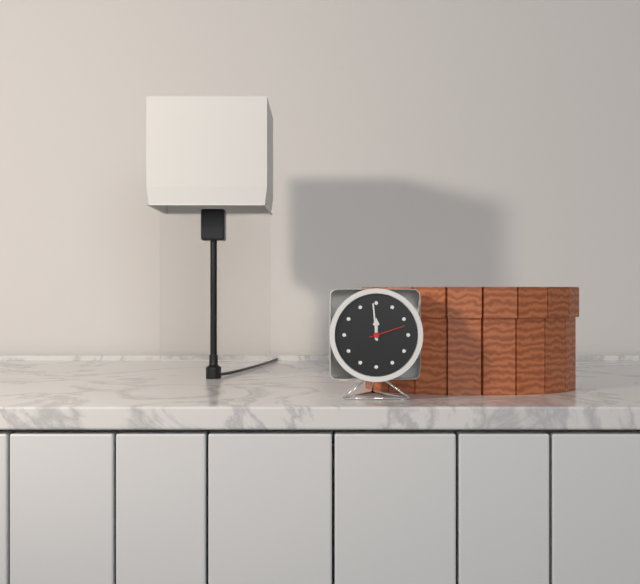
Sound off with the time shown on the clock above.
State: 11:59
